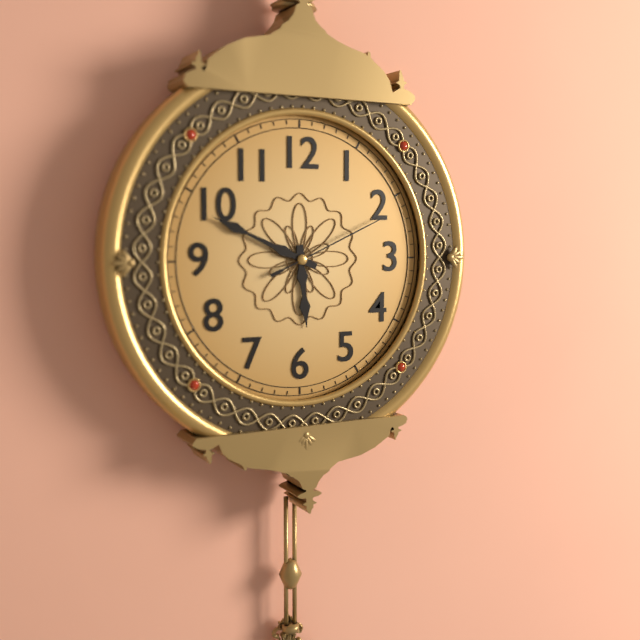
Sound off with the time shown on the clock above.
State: 5:49:11
